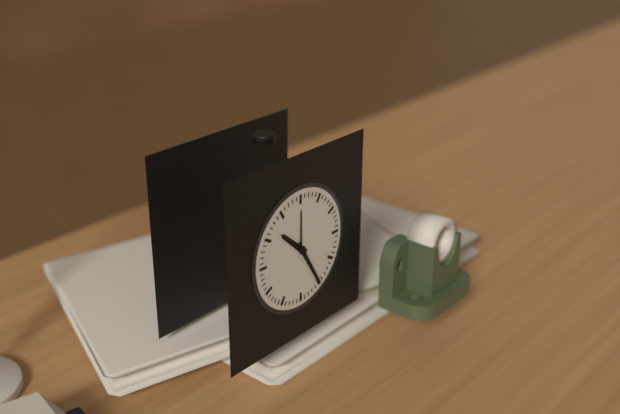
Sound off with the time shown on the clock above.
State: 10:25
